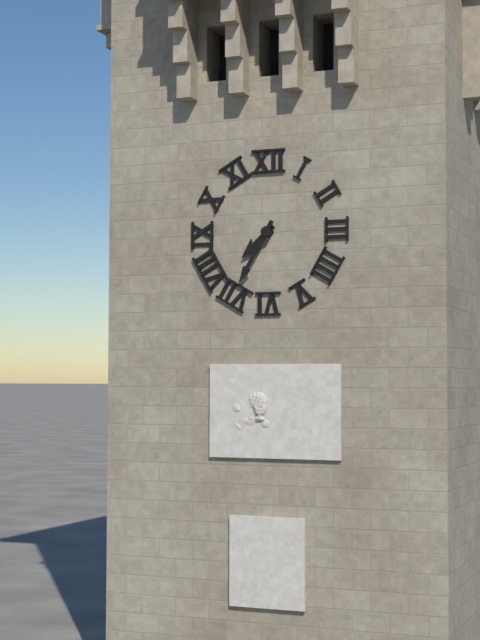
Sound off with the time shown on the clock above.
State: 7:35
